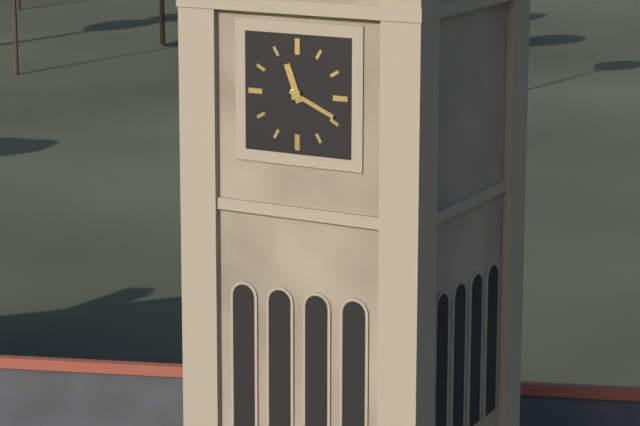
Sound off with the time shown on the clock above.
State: 11:19
